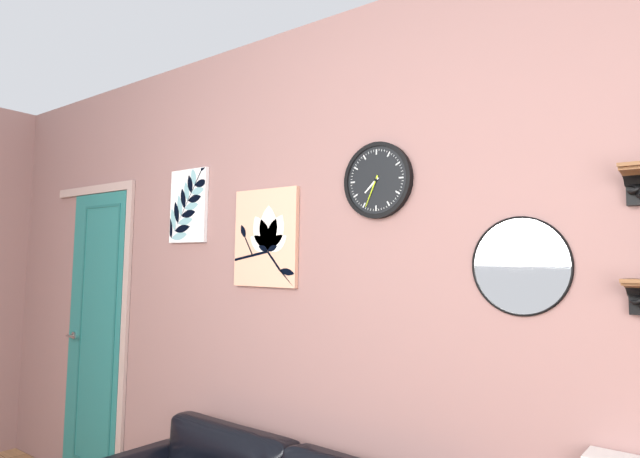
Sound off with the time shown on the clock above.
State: 7:34
